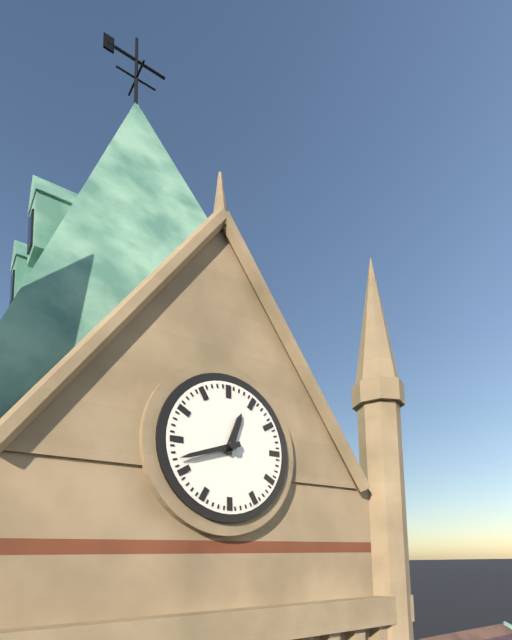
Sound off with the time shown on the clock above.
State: 12:42
